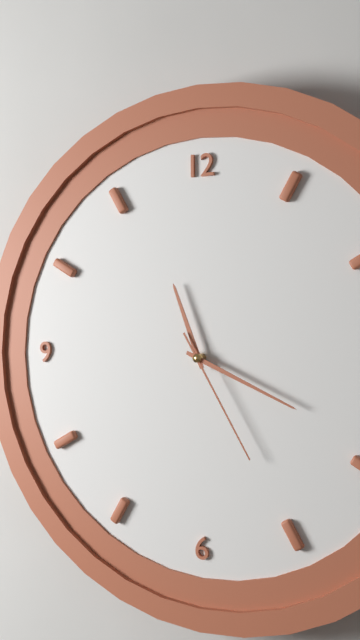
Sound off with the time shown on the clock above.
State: 11:19:25
